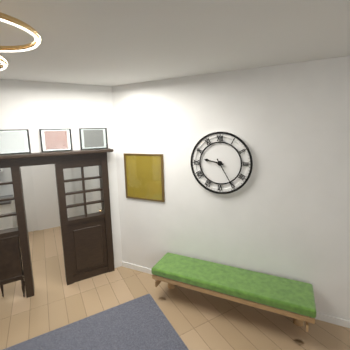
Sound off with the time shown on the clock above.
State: 9:25
